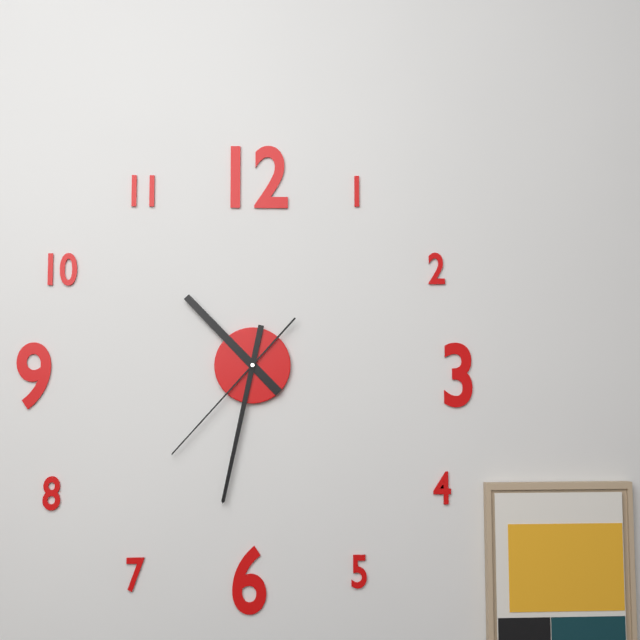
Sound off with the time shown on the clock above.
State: 10:32:37
